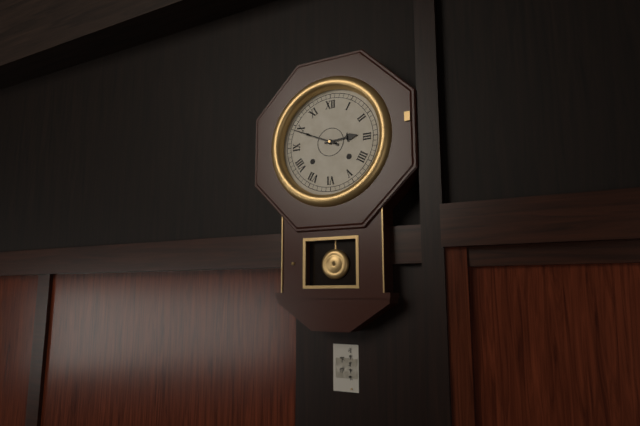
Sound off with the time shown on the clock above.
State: 2:49
